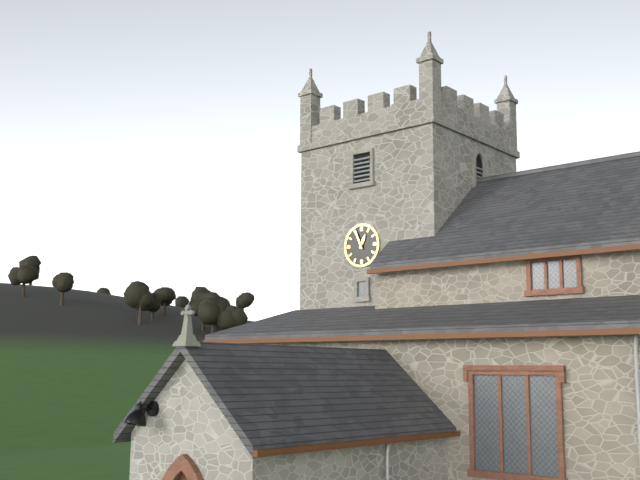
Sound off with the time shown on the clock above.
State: 12:56
